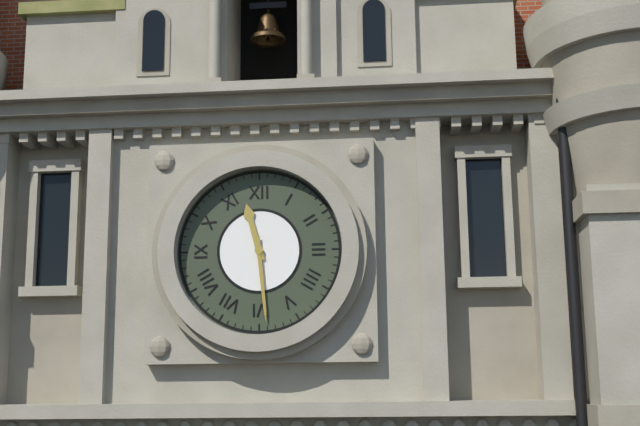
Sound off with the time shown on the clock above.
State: 11:29
